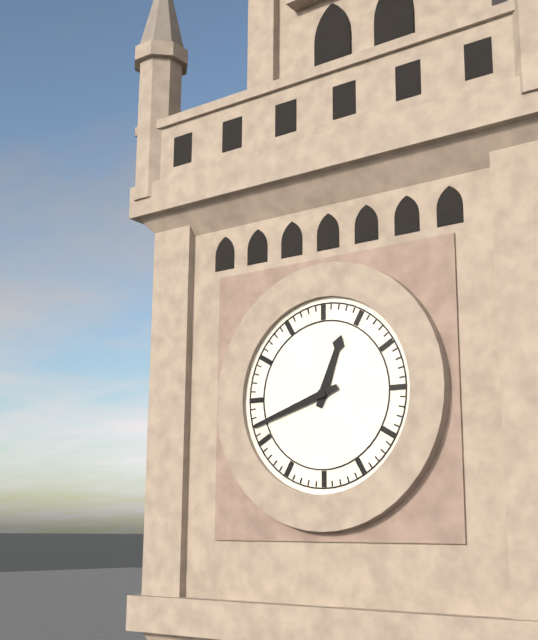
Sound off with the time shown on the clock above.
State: 12:42
